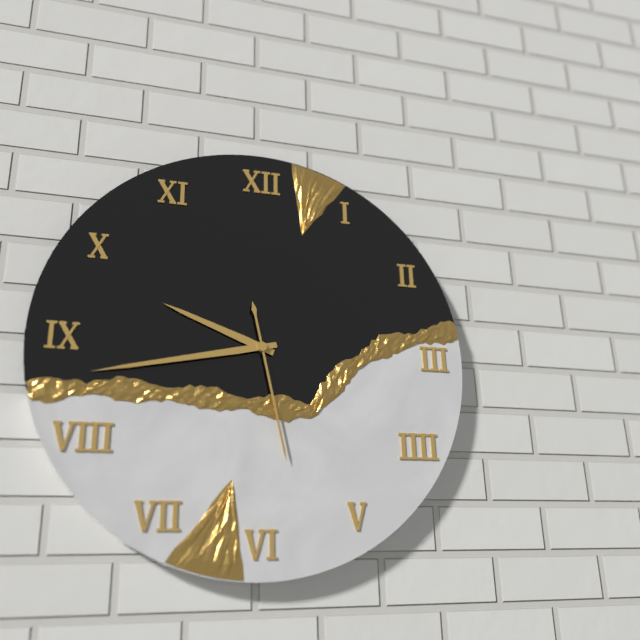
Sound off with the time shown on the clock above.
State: 9:43:28
